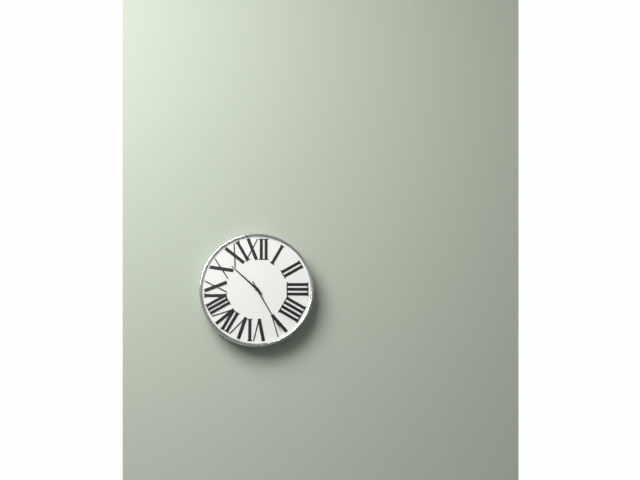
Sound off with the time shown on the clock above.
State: 10:25
